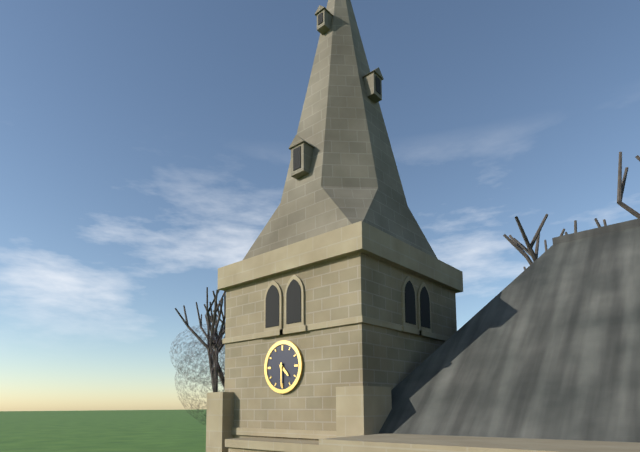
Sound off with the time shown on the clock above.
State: 4:30
